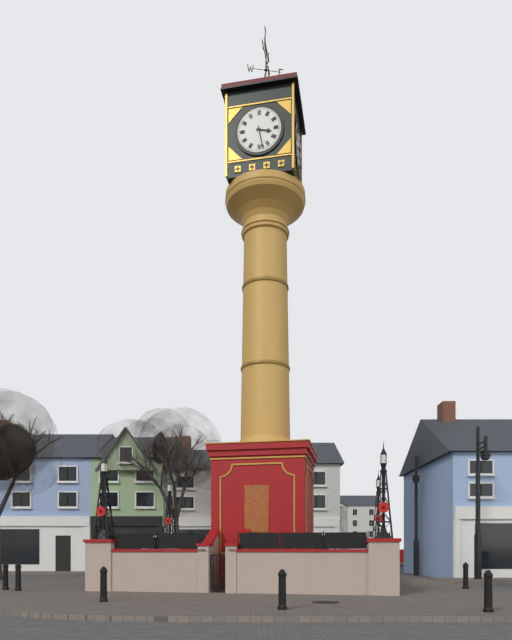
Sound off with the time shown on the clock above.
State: 3:28
